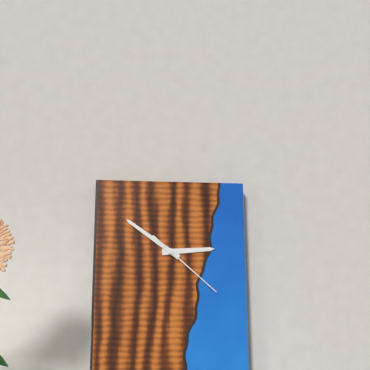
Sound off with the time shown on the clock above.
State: 2:51:22
